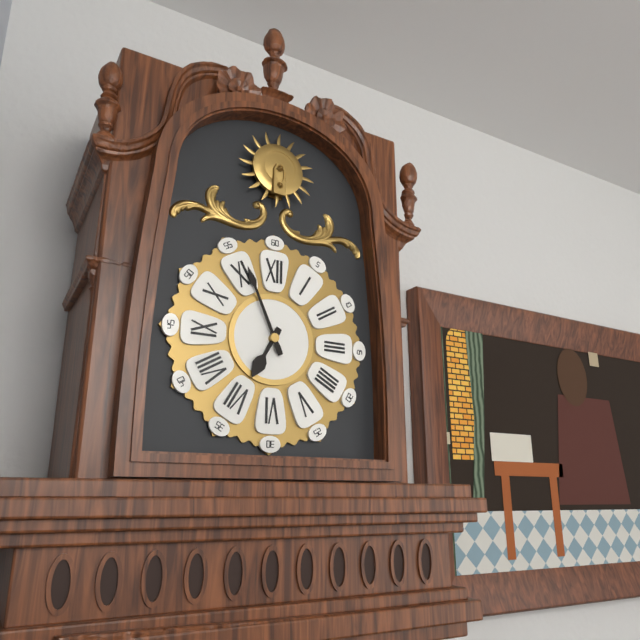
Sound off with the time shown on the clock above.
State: 6:56
